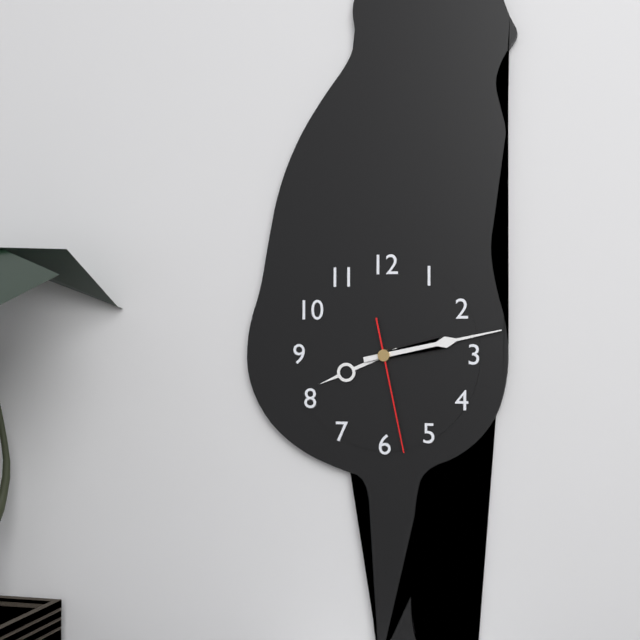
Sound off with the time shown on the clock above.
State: 8:13:28
